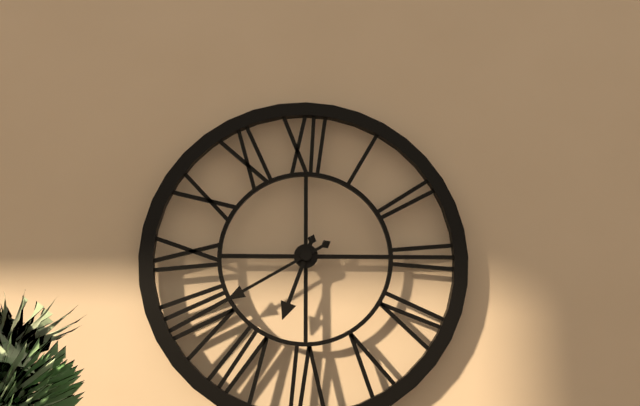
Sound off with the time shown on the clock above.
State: 6:40
